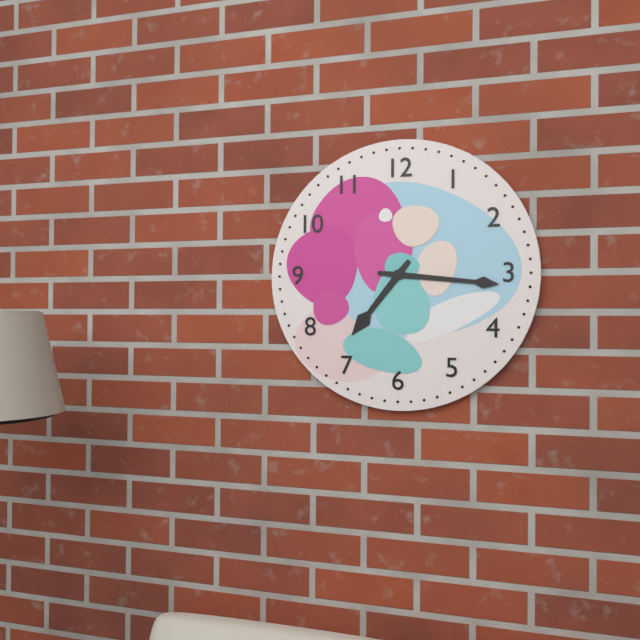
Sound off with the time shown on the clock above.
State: 7:16
